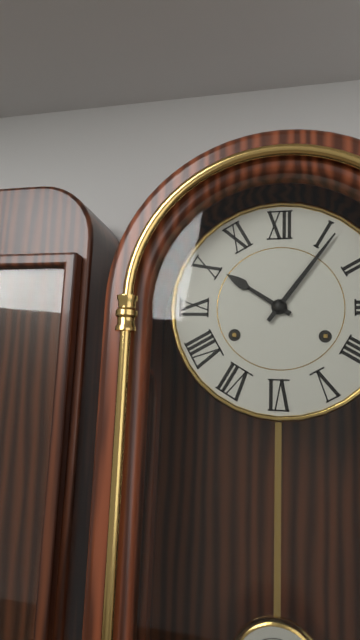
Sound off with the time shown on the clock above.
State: 10:06
